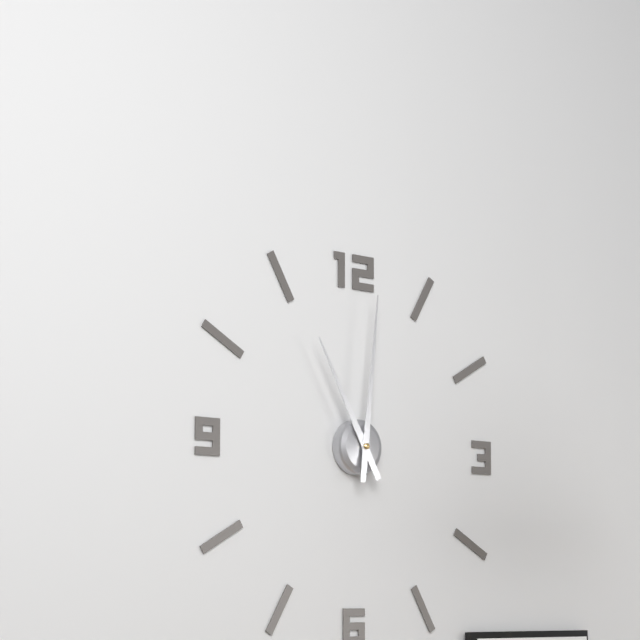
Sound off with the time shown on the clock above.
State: 11:01
